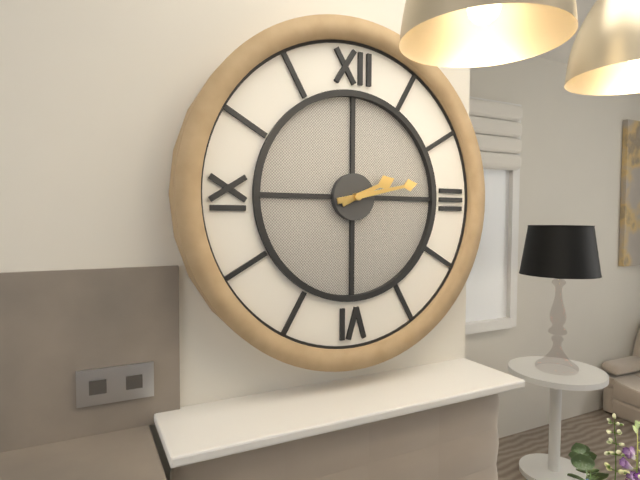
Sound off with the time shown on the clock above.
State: 2:13
